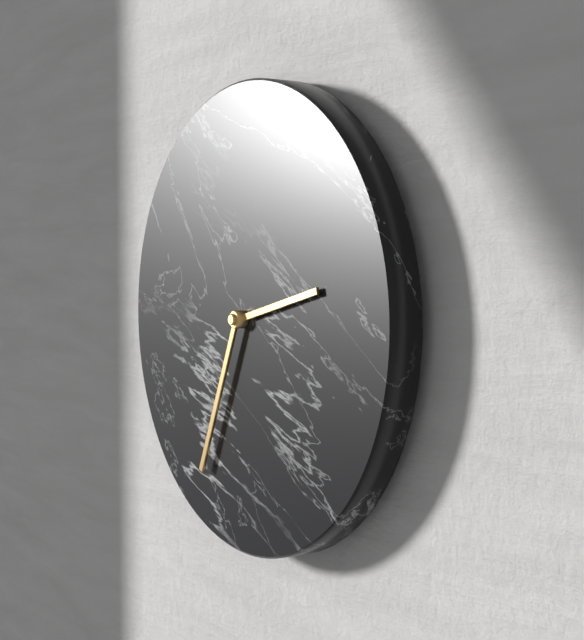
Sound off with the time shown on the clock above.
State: 2:34
